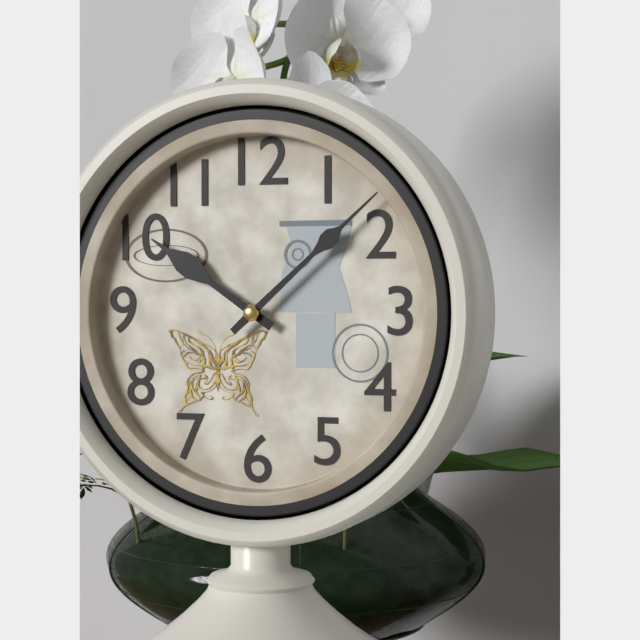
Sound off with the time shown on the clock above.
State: 10:08
